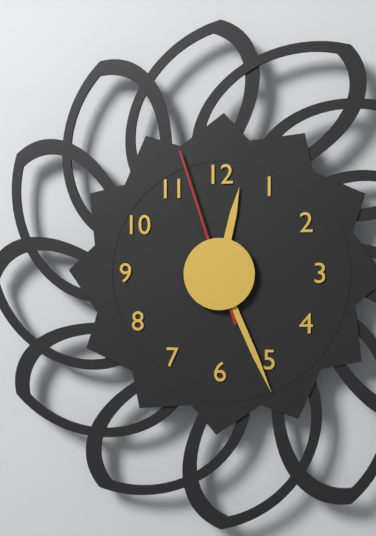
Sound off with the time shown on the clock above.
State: 12:26:57
